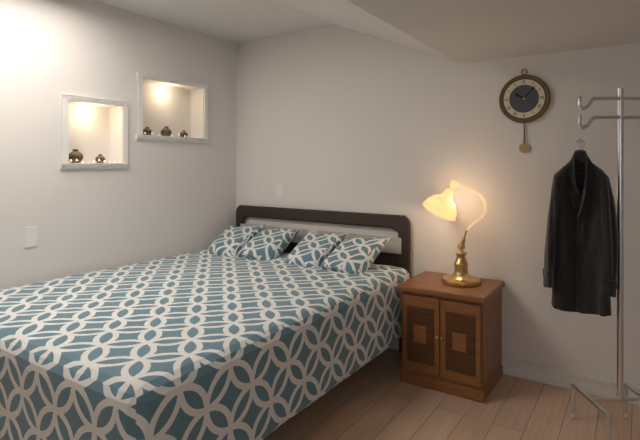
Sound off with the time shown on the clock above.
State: 10:07
